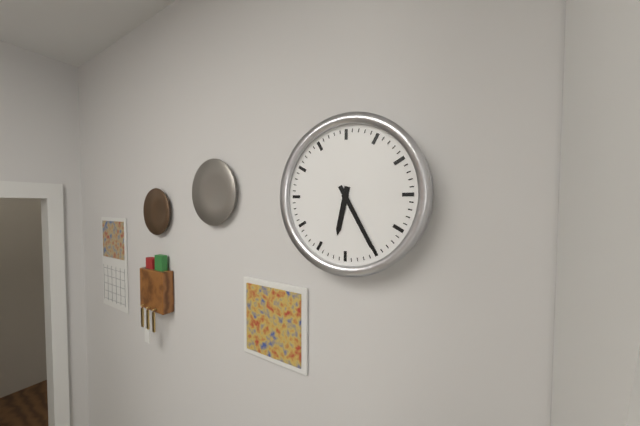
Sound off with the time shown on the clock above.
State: 6:25
